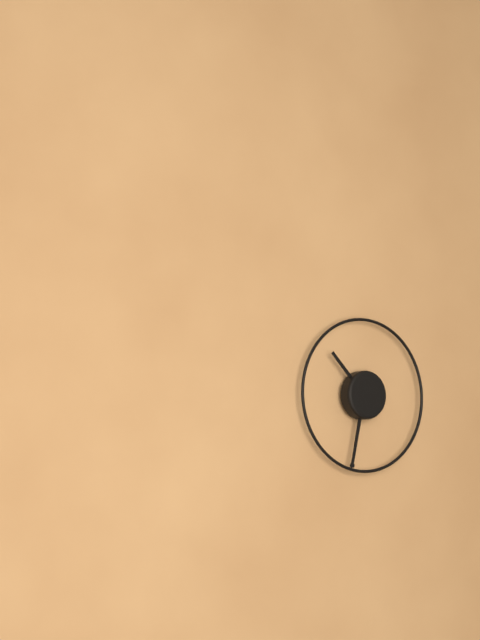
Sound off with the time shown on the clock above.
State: 10:32
